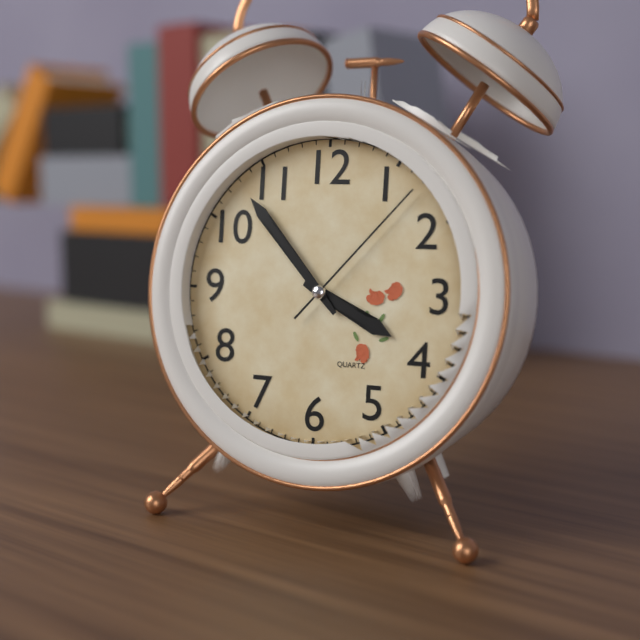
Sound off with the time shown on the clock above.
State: 3:53:07
